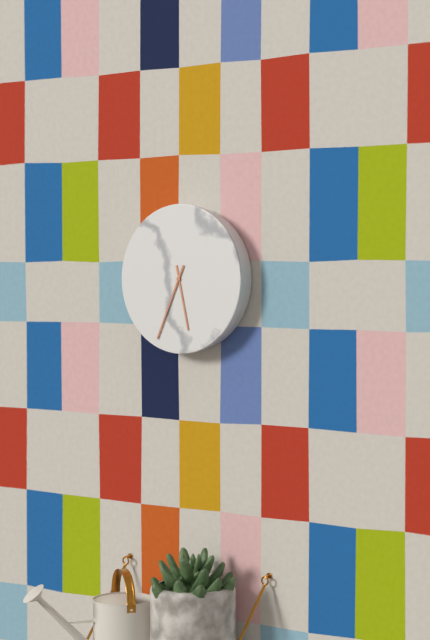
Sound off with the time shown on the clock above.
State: 5:34
